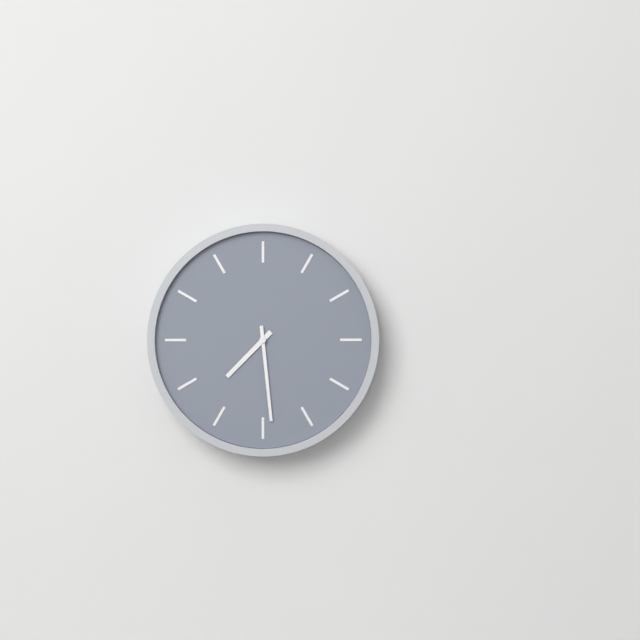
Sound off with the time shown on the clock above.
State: 7:29
